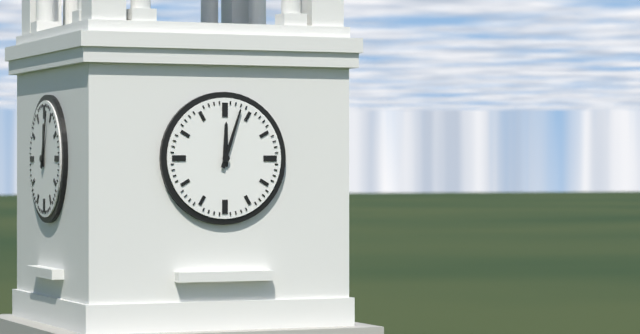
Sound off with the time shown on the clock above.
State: 12:03
